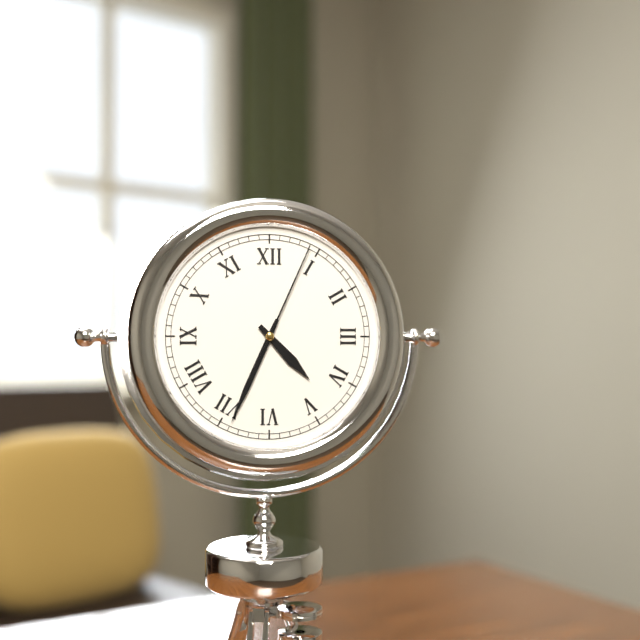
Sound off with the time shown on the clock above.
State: 4:34:04
